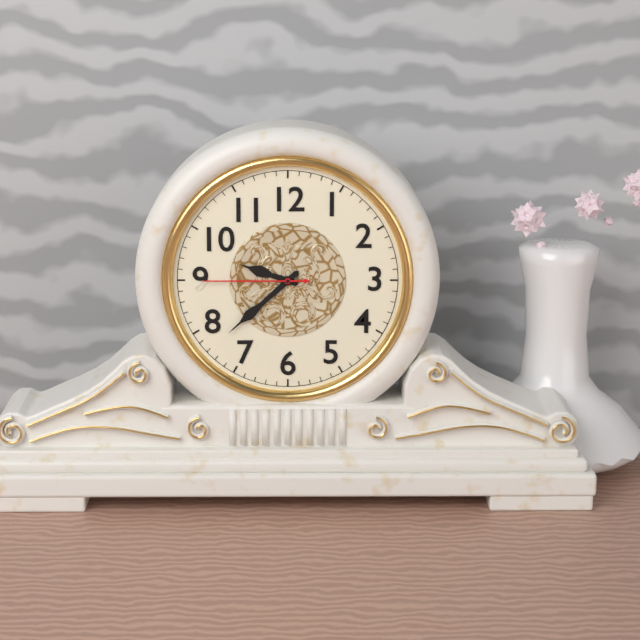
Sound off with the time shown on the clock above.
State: 9:38:45
